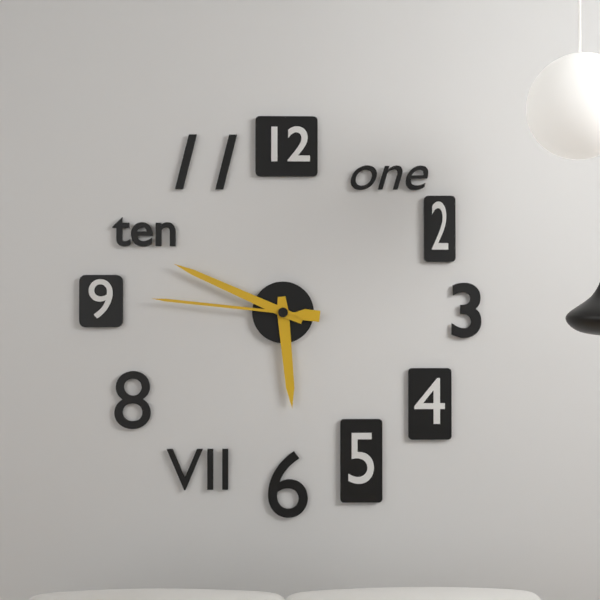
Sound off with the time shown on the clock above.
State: 5:49:46
